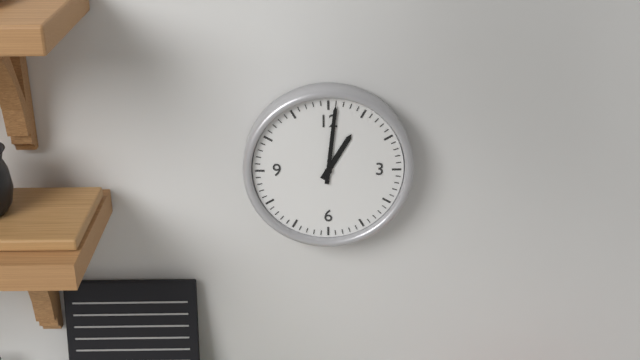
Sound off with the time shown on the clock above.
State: 1:01
